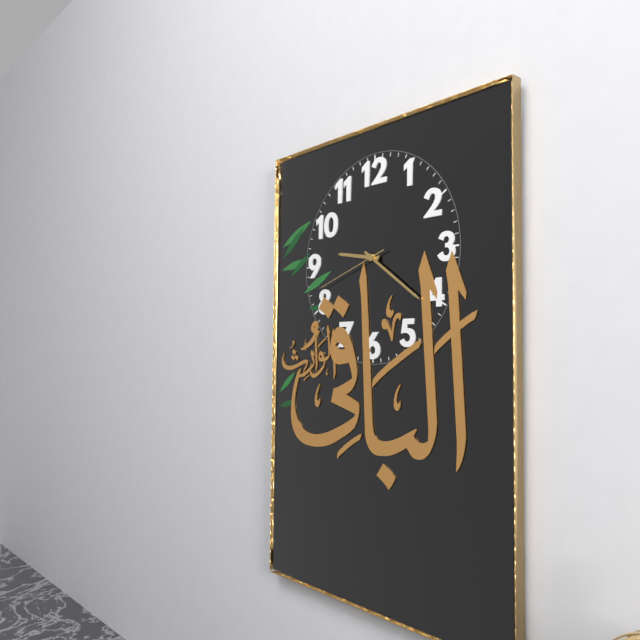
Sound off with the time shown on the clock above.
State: 9:21:42
